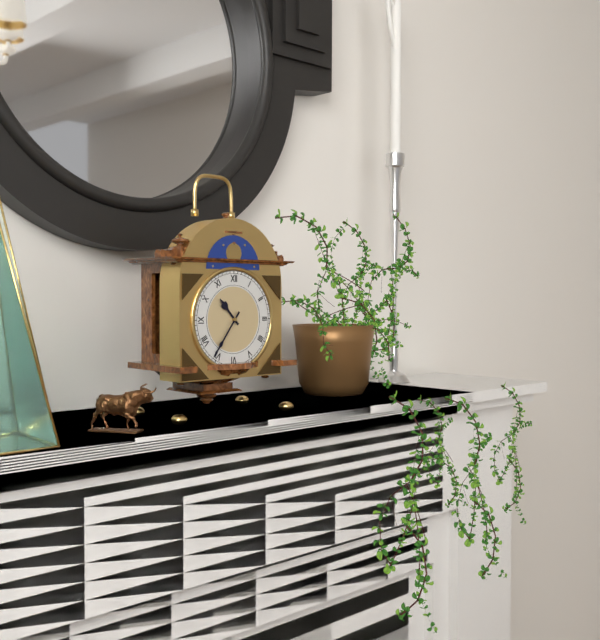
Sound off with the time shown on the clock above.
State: 10:36
